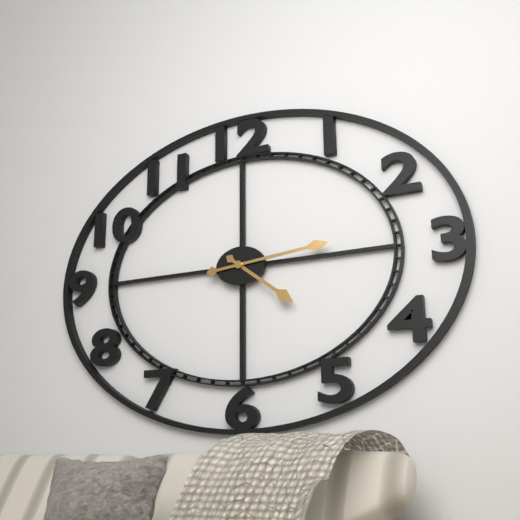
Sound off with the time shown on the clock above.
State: 4:14
